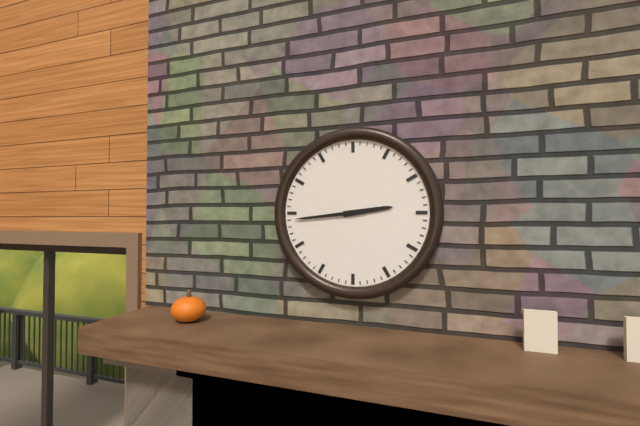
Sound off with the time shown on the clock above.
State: 2:44
